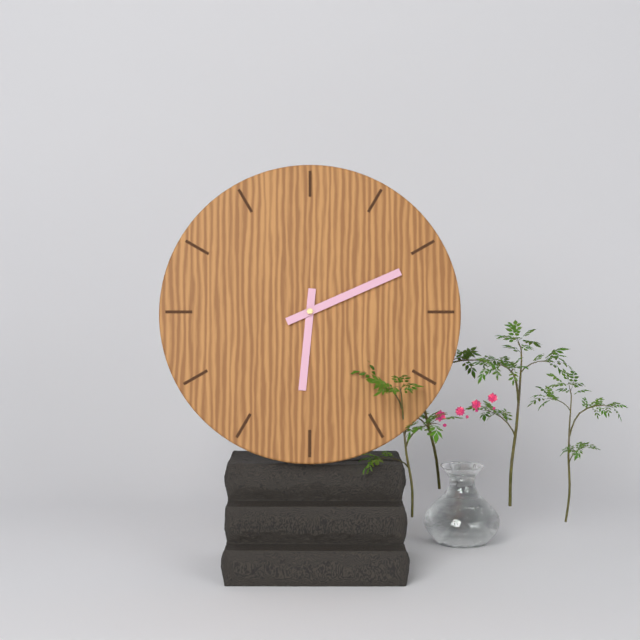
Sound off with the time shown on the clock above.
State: 6:11
